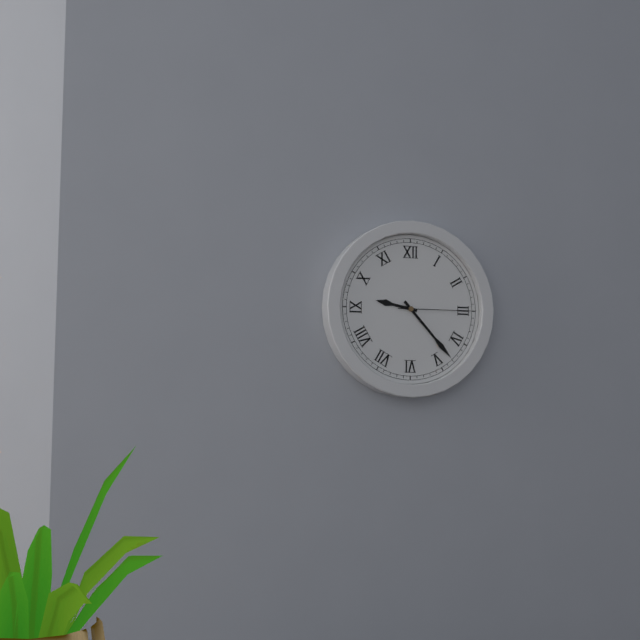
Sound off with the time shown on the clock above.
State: 9:23:15
